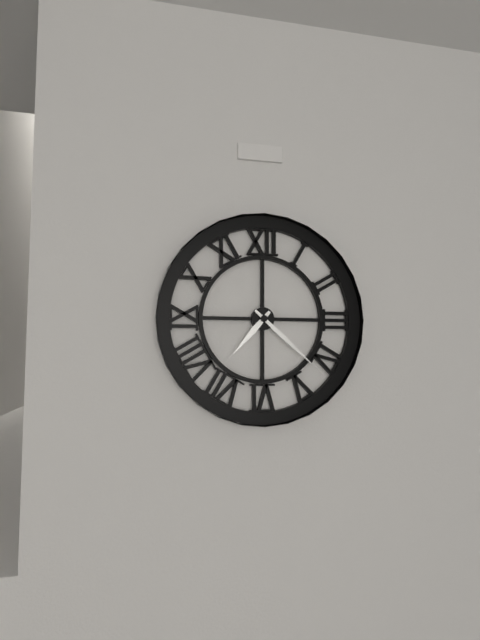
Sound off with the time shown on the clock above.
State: 7:22
